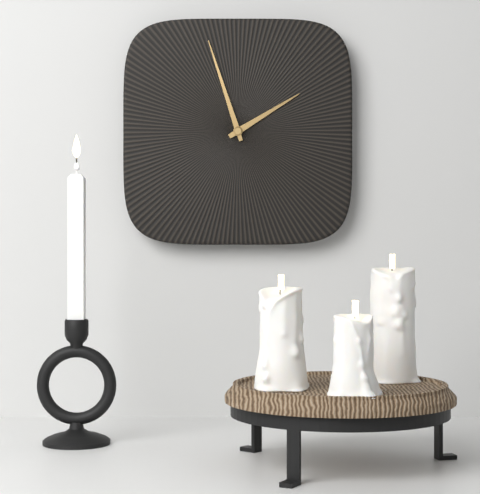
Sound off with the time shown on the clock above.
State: 1:57
